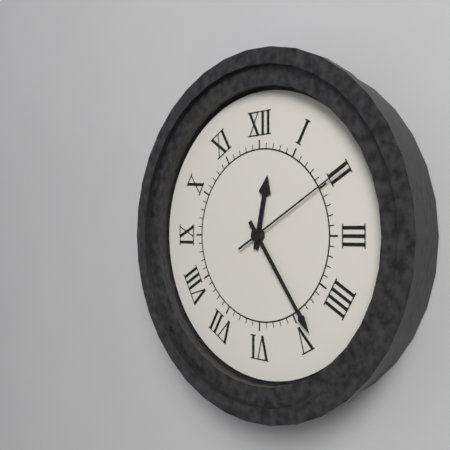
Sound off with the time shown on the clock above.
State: 12:24:10
